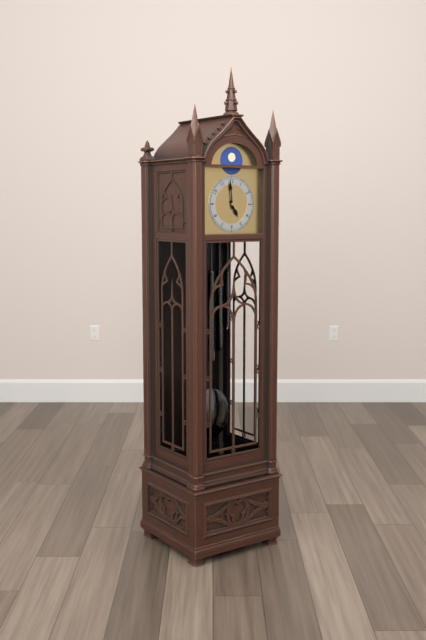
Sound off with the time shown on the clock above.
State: 4:59
